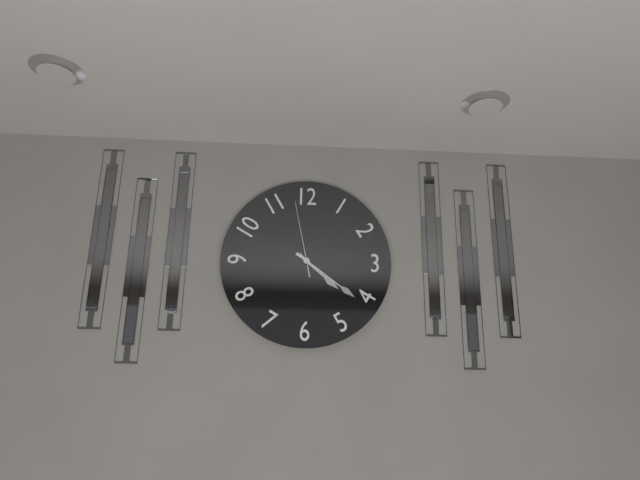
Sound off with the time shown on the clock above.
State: 4:21:58
